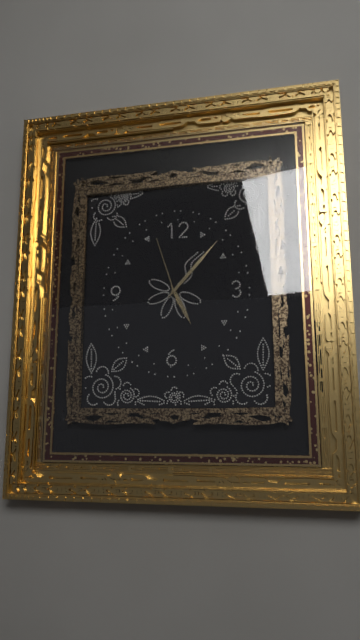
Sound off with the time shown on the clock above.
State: 5:07:57
